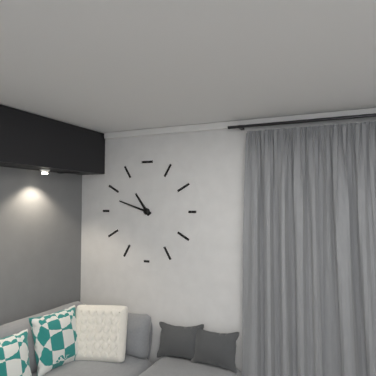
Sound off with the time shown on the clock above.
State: 10:48
